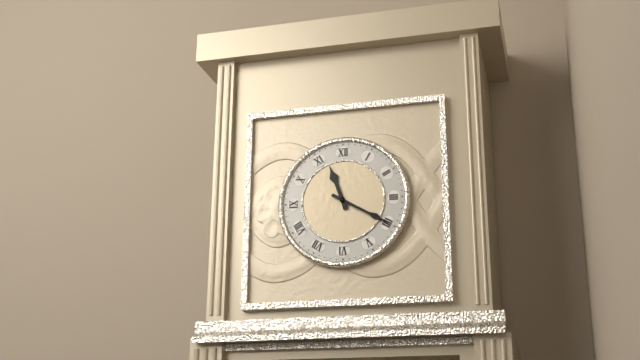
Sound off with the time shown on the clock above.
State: 11:20
